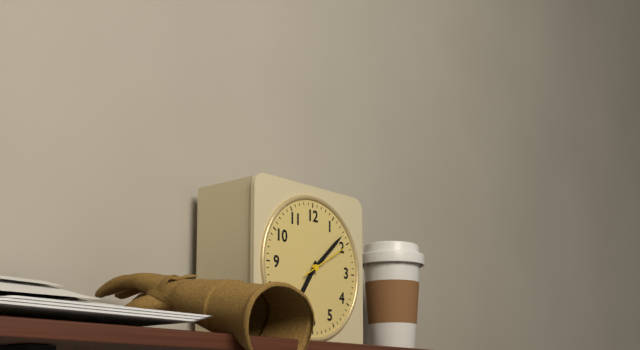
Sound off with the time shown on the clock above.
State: 7:08
